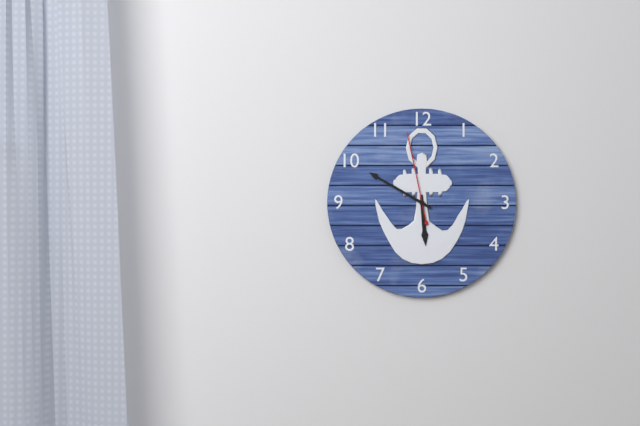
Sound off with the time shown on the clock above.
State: 5:50:58
